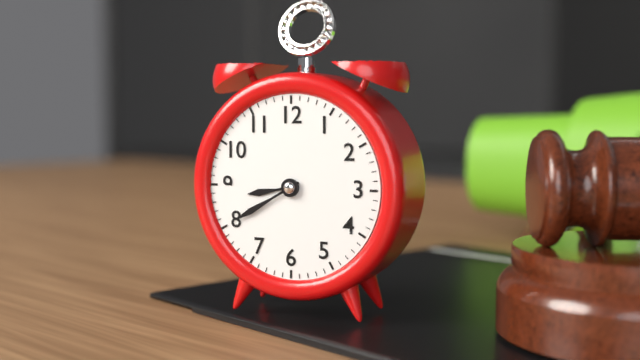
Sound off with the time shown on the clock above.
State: 8:40
